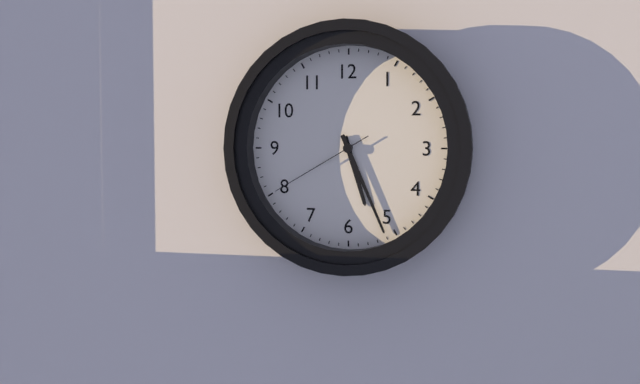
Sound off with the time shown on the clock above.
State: 5:26:40
